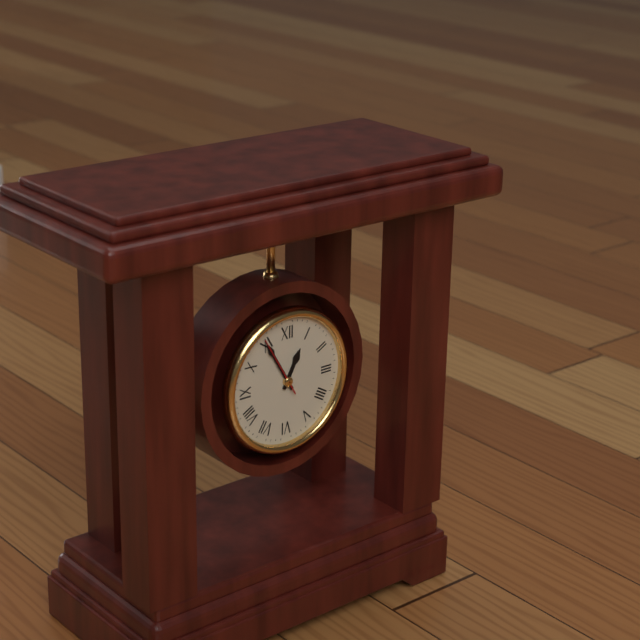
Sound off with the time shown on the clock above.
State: 12:55
